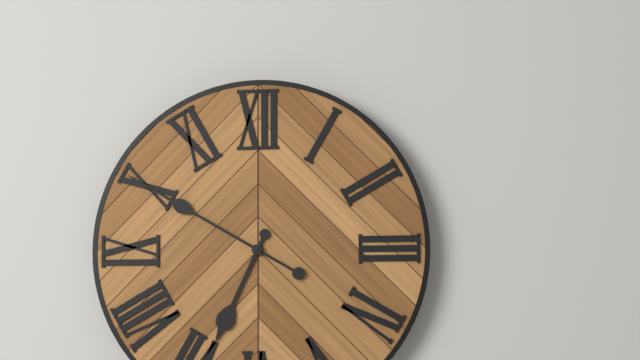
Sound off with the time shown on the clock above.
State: 6:50
